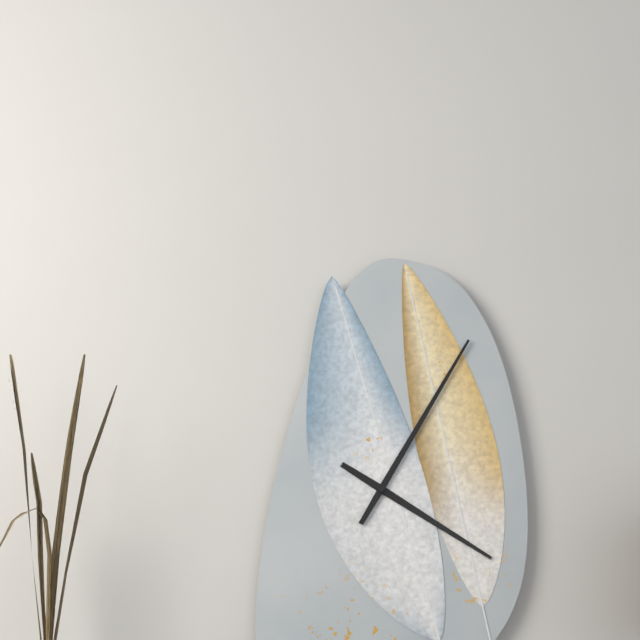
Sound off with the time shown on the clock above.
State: 4:05
